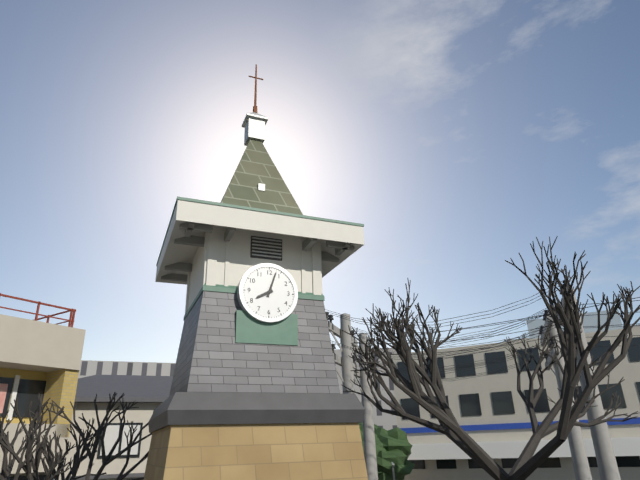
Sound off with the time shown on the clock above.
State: 8:03
